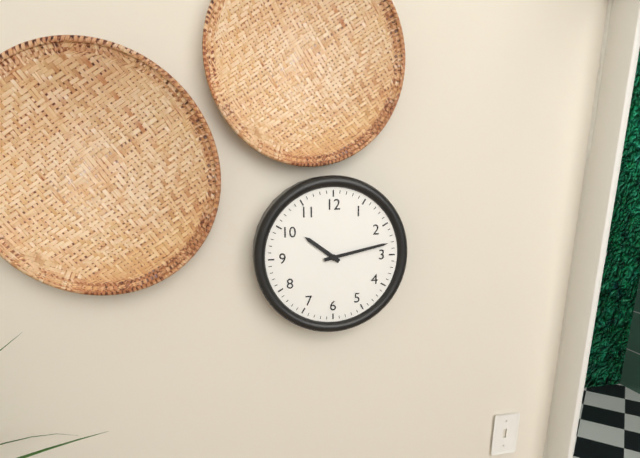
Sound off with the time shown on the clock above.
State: 10:13
